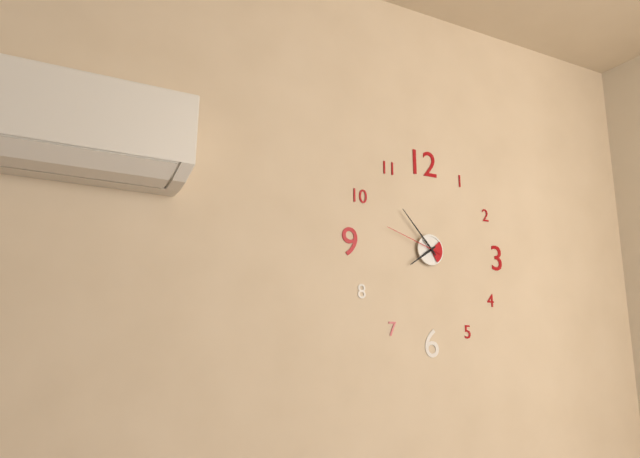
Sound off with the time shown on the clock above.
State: 7:53:48
